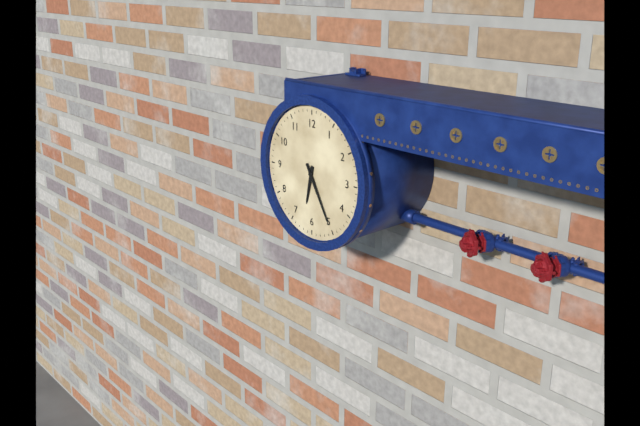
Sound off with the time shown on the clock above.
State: 6:25
